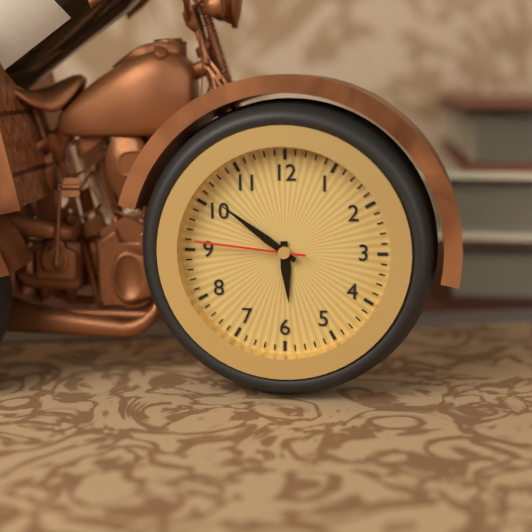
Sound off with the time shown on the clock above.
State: 5:51:46
